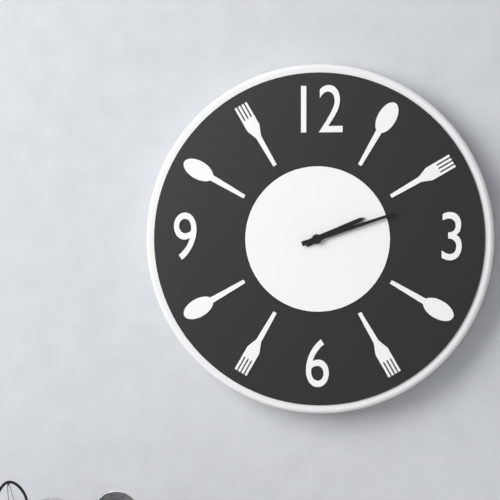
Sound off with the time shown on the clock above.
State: 2:12
